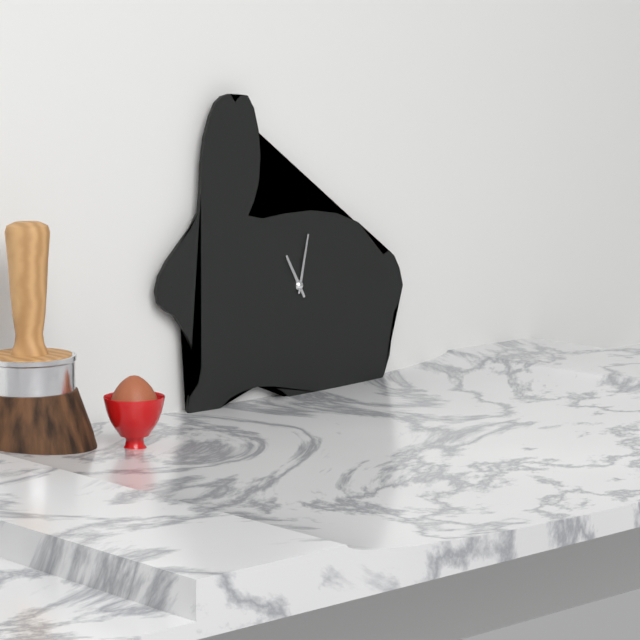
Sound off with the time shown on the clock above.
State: 11:02
